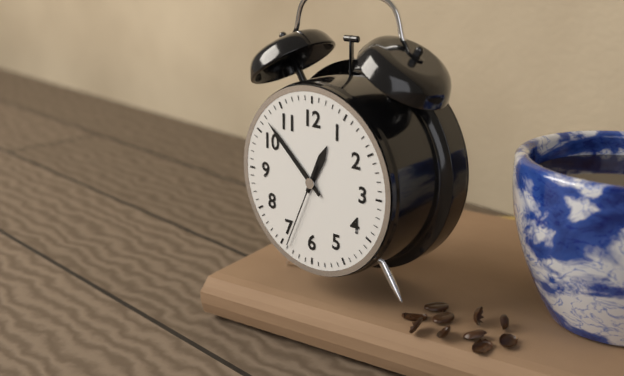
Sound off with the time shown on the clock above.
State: 12:52:34
